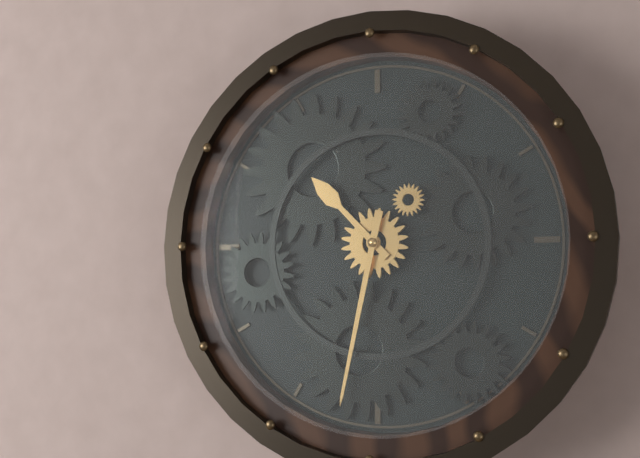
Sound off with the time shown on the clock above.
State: 10:32
